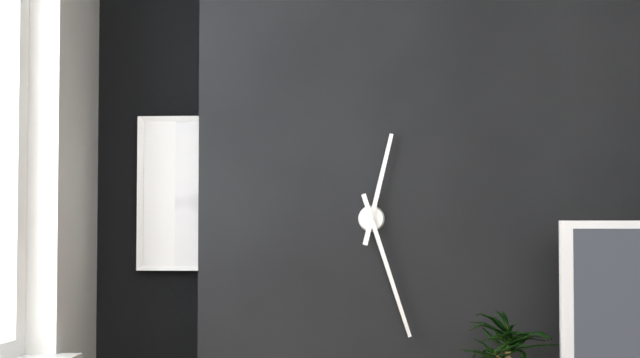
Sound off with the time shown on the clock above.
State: 12:27
